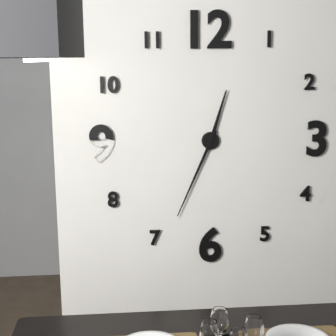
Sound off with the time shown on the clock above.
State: 12:34
